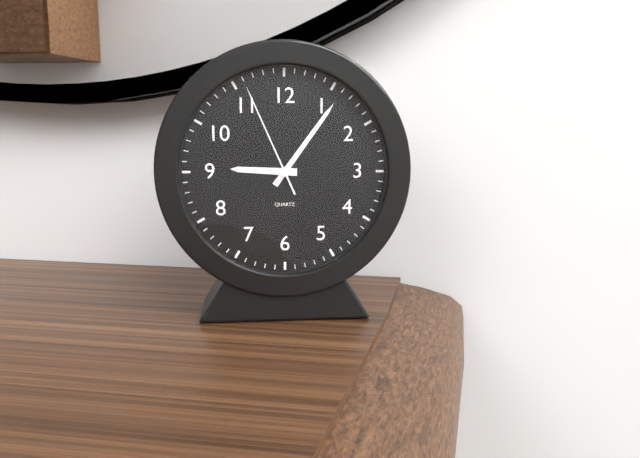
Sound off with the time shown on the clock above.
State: 9:06:56
